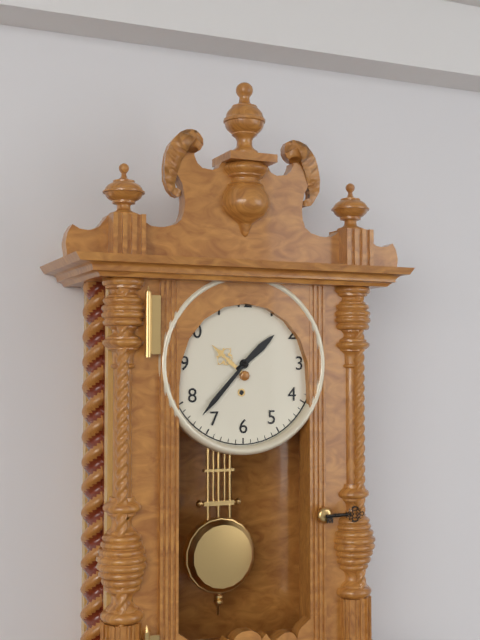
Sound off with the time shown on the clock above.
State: 1:37
